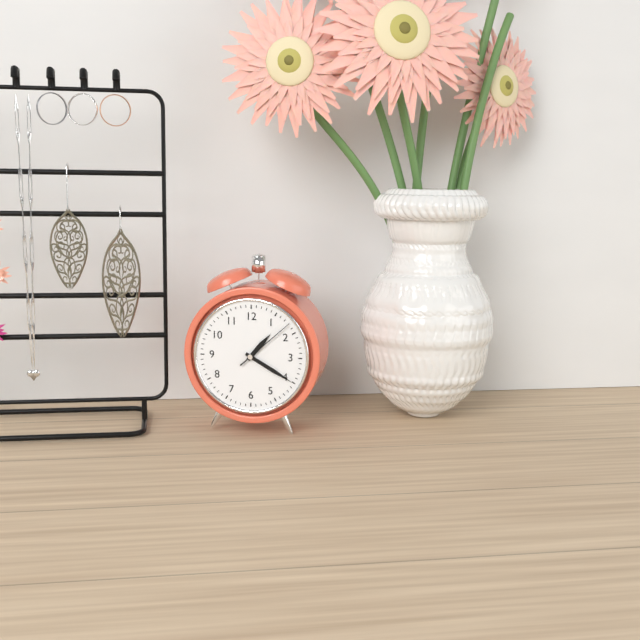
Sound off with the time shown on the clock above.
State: 1:20:08
